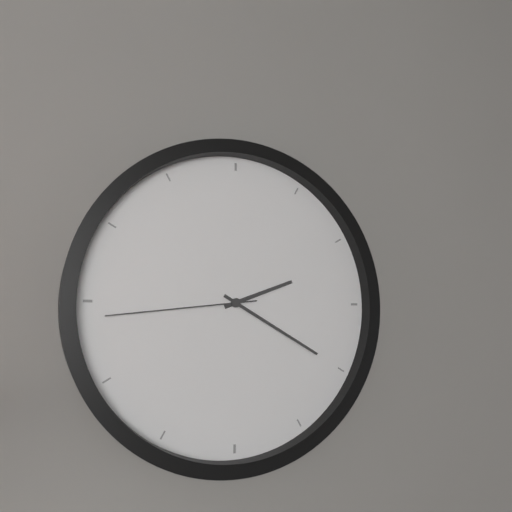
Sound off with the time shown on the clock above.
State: 2:20:44
